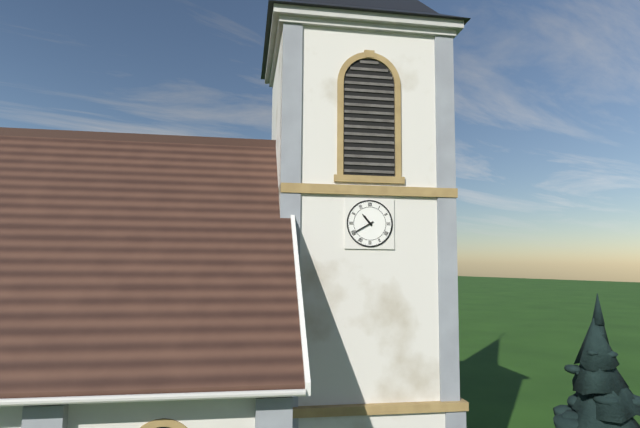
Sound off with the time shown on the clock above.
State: 10:40
